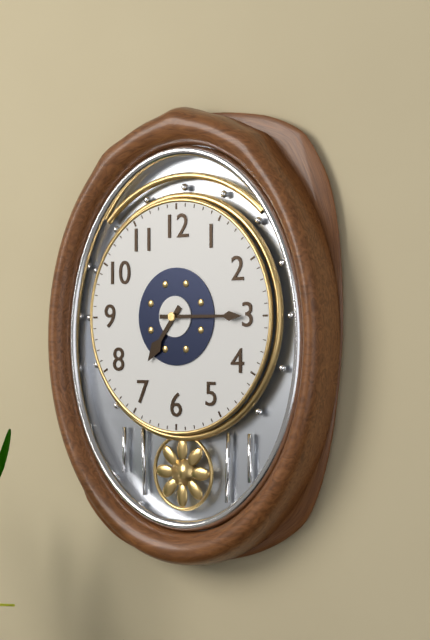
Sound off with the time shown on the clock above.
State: 7:15
